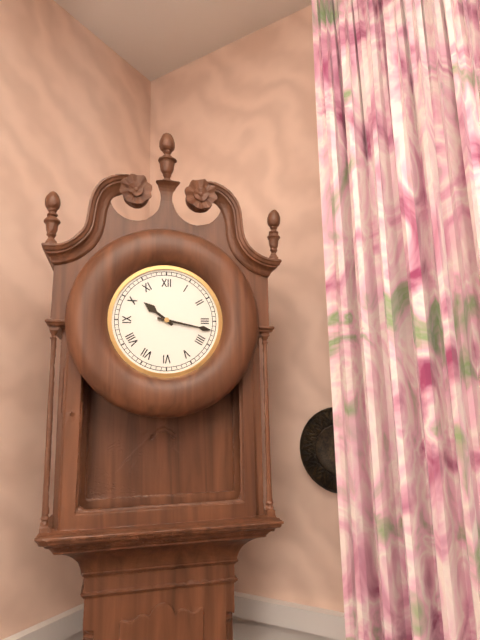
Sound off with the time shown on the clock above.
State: 10:17
